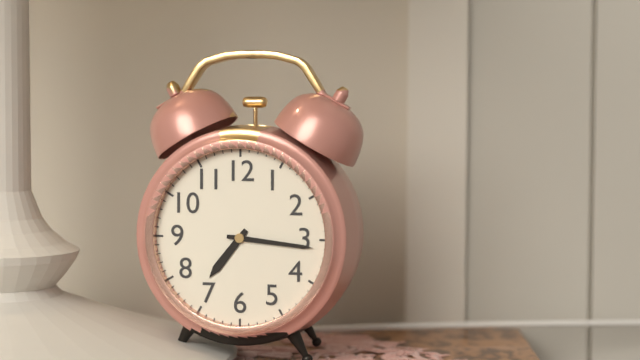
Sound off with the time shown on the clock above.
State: 7:16
